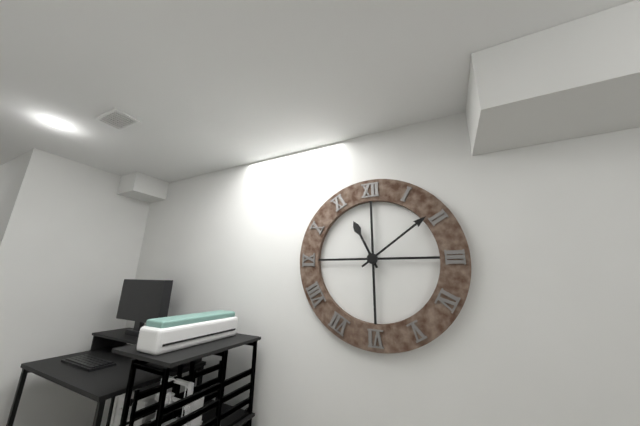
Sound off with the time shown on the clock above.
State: 11:09
